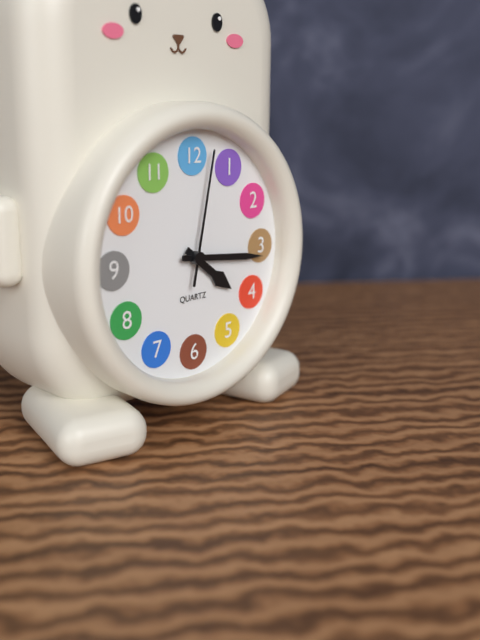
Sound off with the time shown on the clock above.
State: 4:16:02
